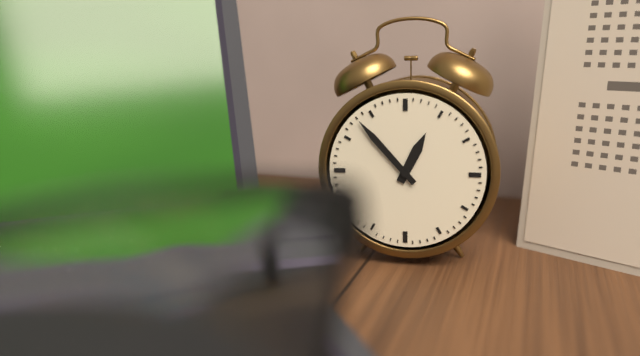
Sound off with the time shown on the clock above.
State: 12:53
